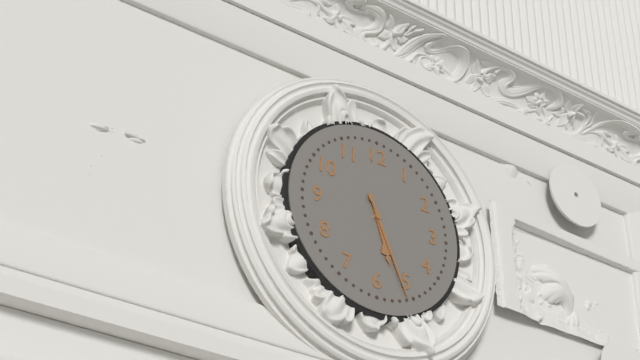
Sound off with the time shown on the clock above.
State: 5:26
